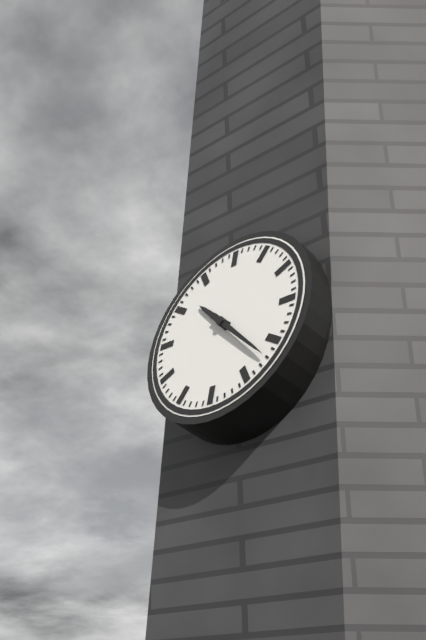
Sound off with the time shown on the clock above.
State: 10:22
